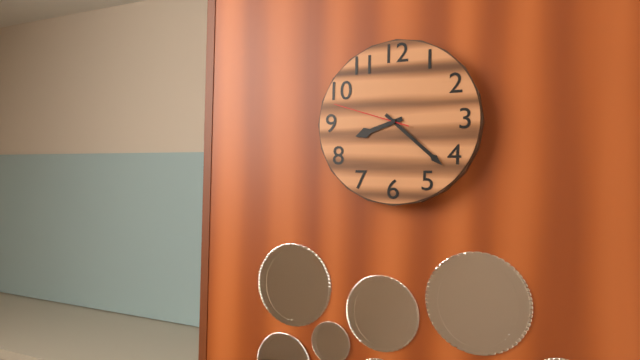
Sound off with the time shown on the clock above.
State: 8:22:48
